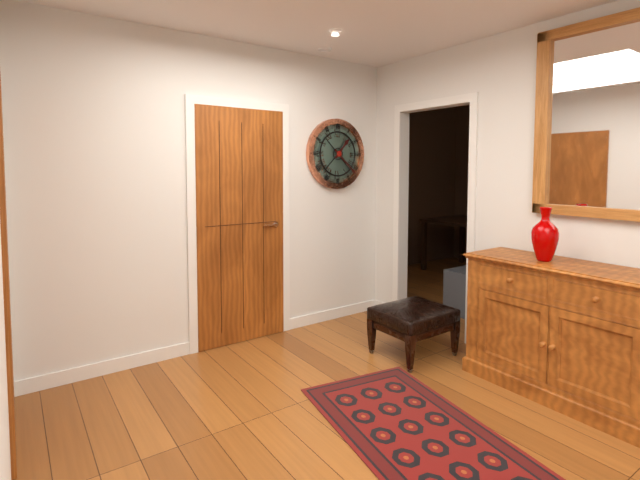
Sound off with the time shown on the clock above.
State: 1:22
